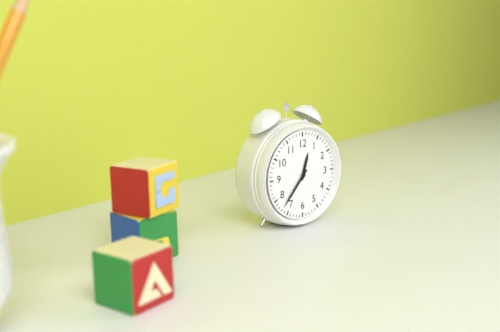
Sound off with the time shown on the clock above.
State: 12:37
